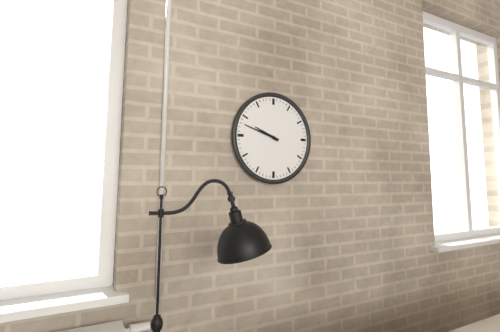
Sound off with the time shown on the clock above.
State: 9:48
